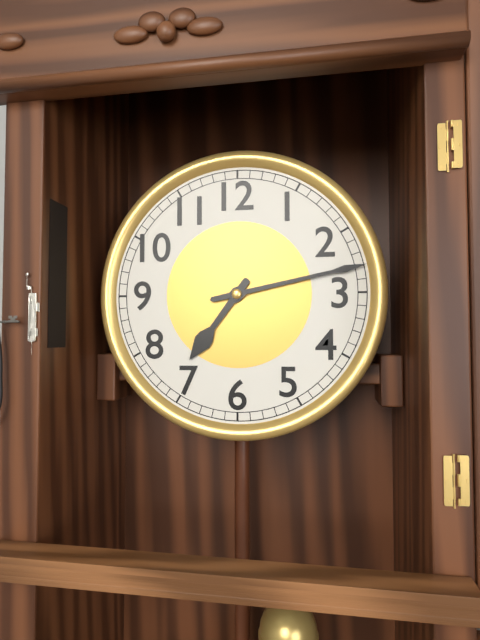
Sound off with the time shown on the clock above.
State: 7:13
